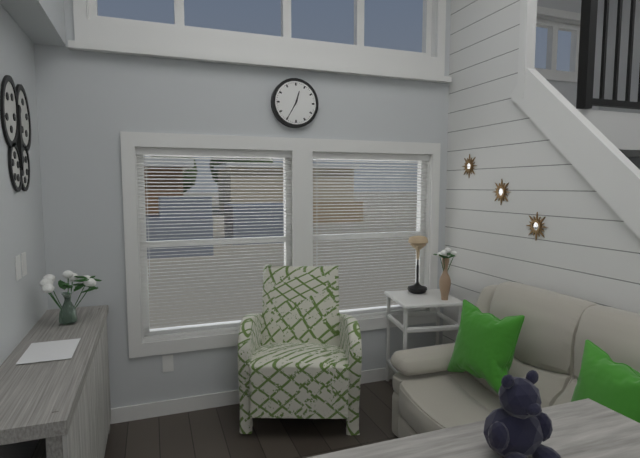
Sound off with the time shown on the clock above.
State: 12:35
